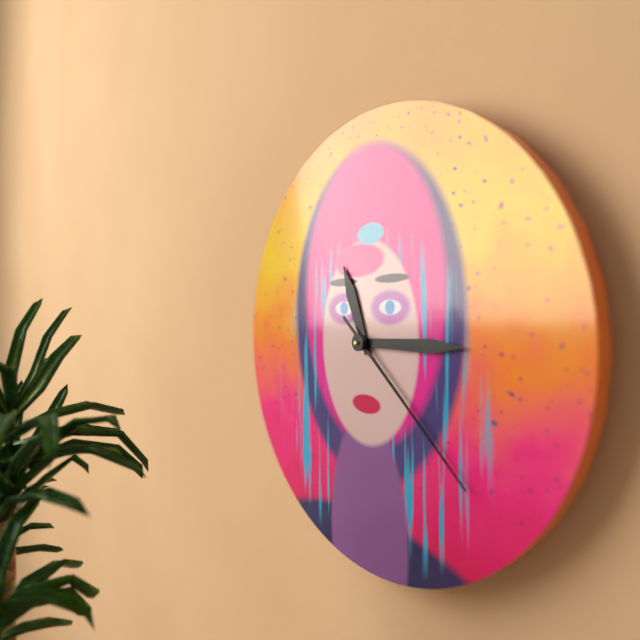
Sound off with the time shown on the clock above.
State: 11:15:22
